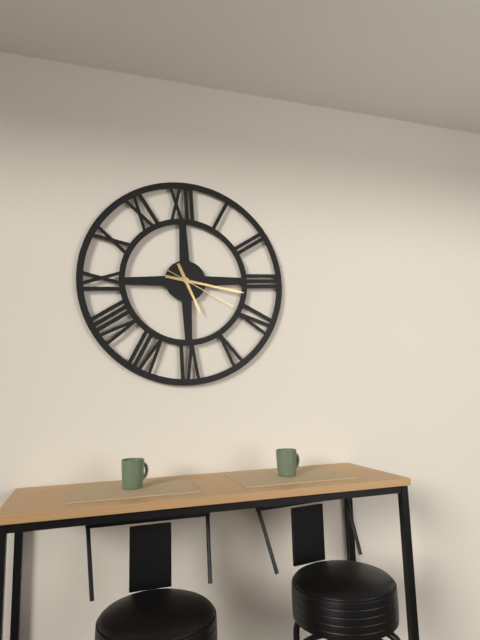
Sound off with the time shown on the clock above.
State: 5:17:20
